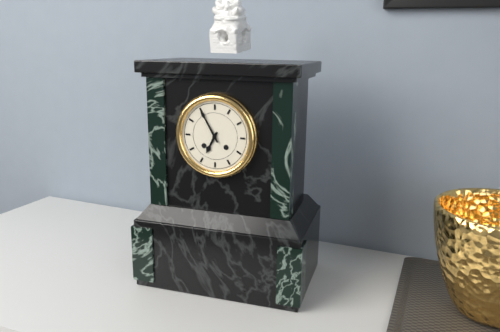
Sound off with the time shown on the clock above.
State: 6:55
